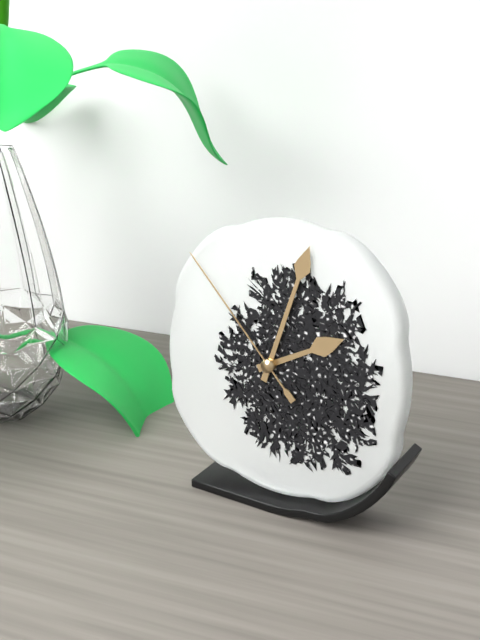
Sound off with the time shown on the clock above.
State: 2:03:53
